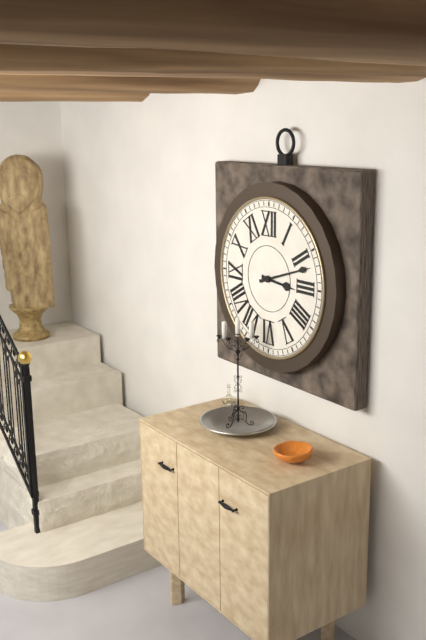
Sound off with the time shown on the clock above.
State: 3:12
